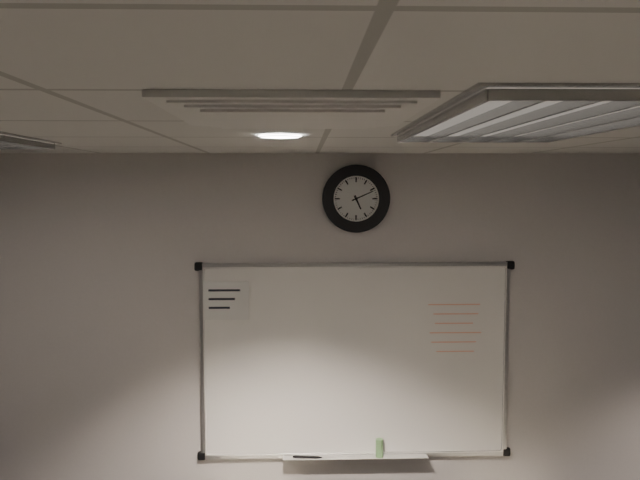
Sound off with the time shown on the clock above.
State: 5:11
